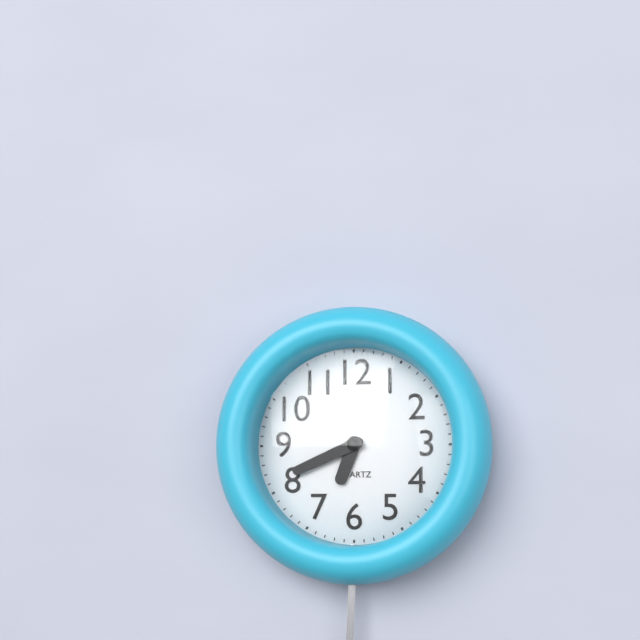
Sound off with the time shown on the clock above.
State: 6:41
